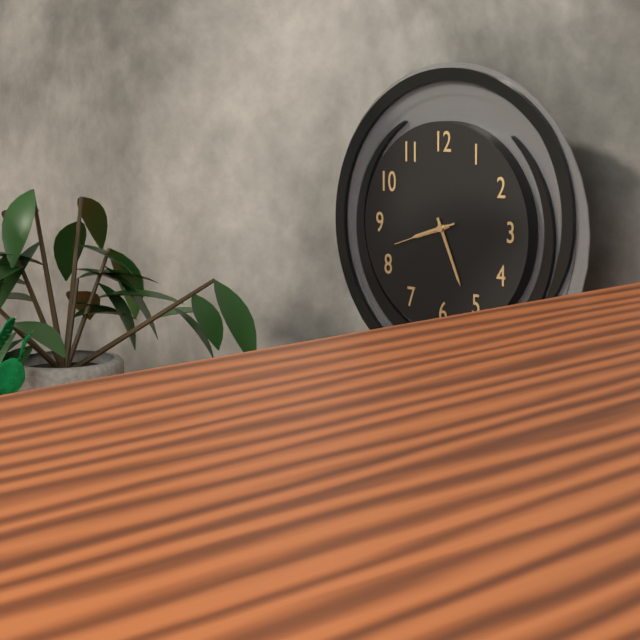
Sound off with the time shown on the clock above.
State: 8:26:42
